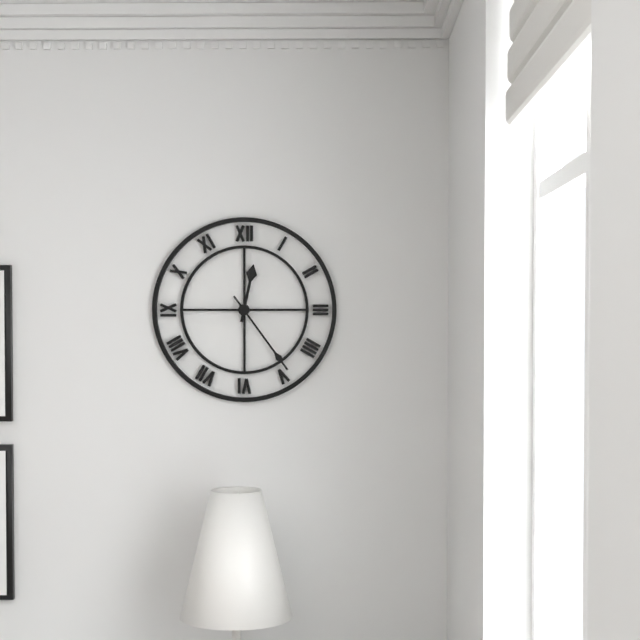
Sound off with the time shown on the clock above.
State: 12:24
